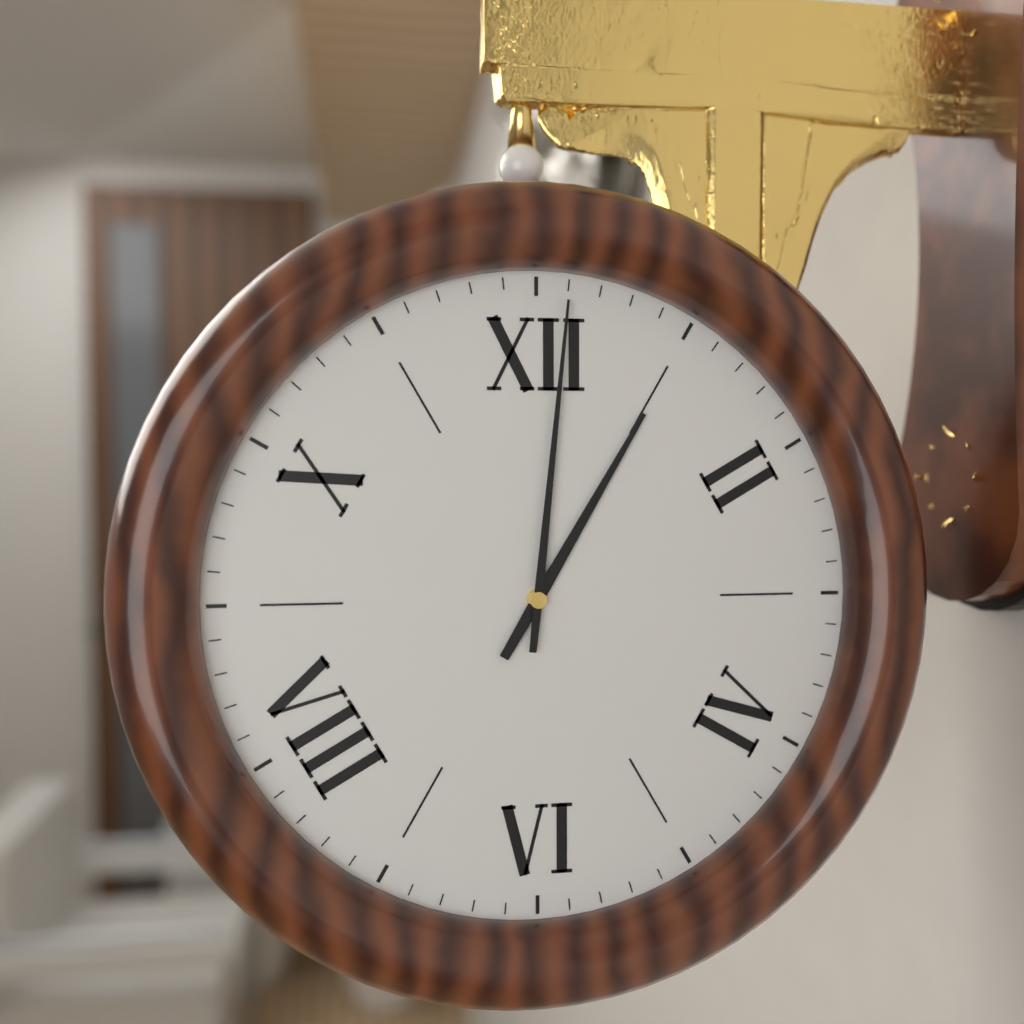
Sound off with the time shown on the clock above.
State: 1:01
